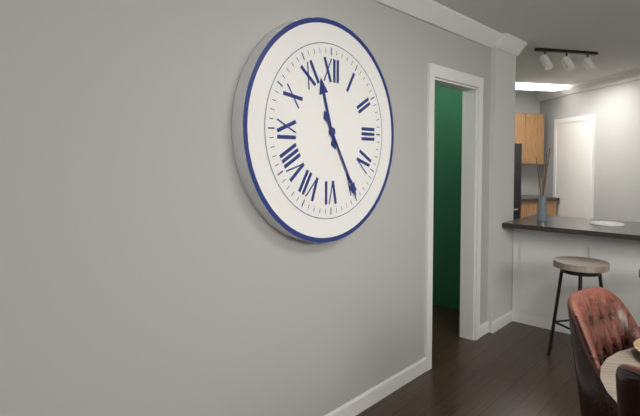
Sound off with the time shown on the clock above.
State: 11:25
